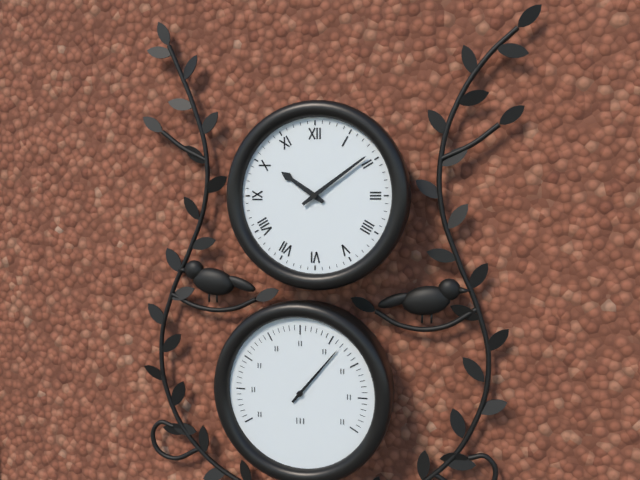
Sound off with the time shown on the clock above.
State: 10:09
